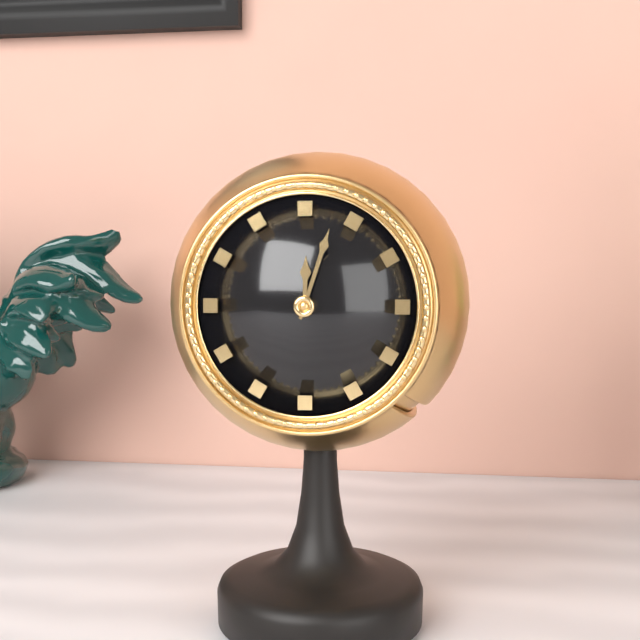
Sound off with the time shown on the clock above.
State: 12:03
